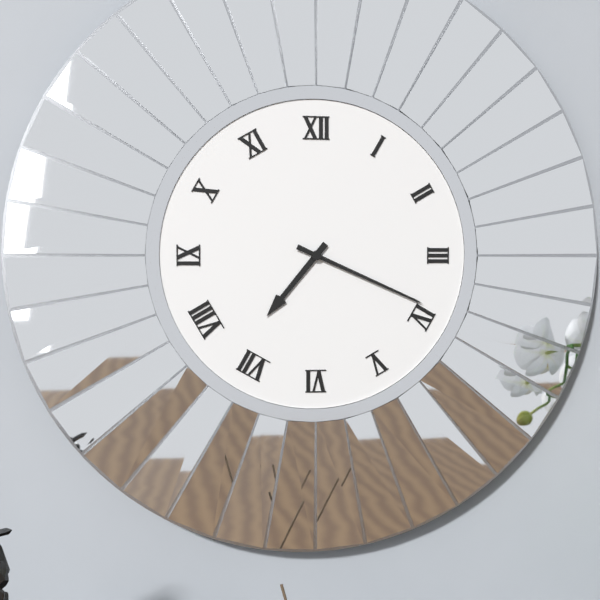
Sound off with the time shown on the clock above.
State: 7:19
